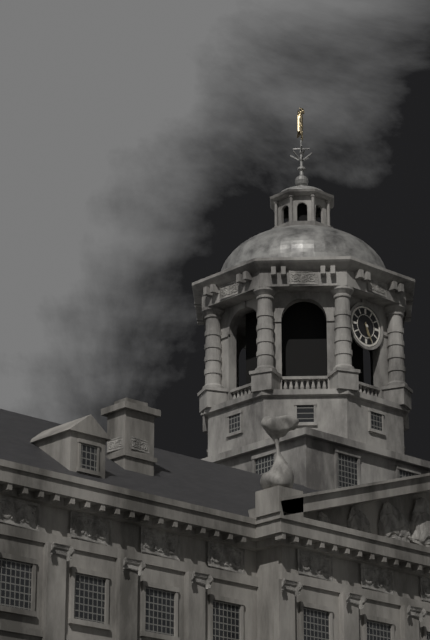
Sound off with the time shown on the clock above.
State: 5:26
